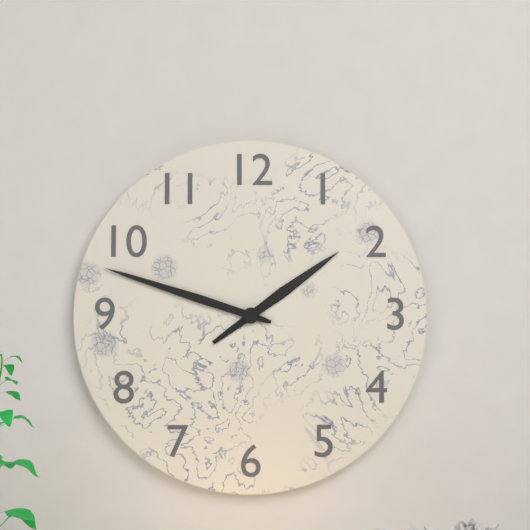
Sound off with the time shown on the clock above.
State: 1:48
